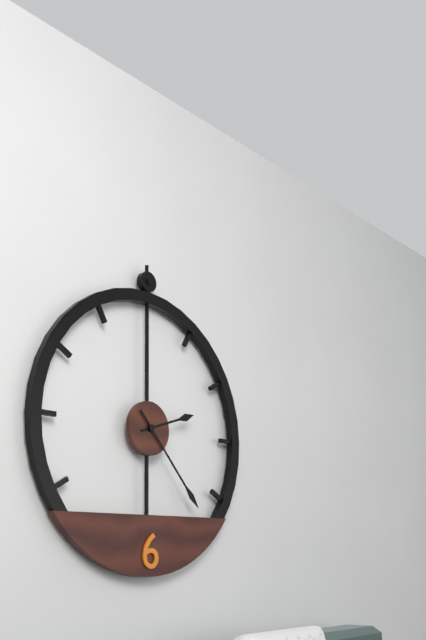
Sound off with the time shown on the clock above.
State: 2:23
